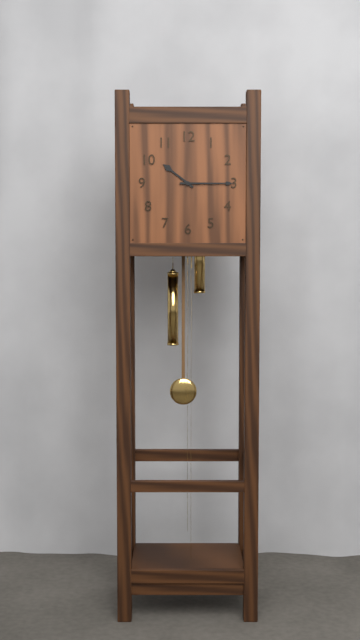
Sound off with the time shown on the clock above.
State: 10:15
